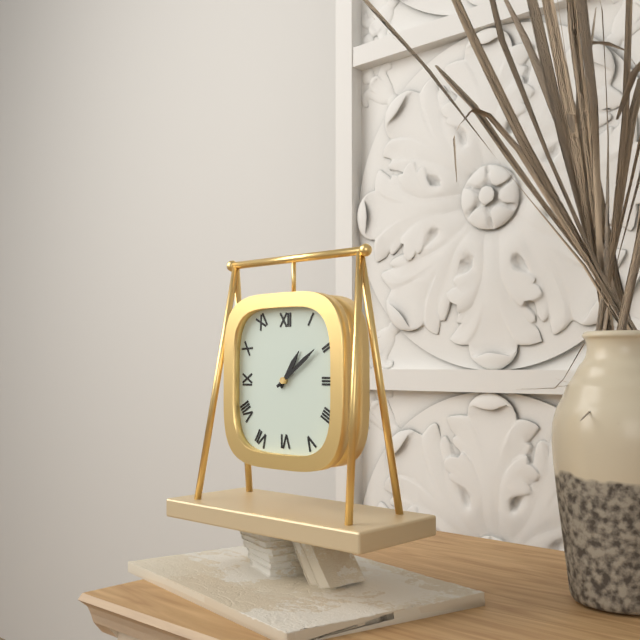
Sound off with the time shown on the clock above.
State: 1:09
